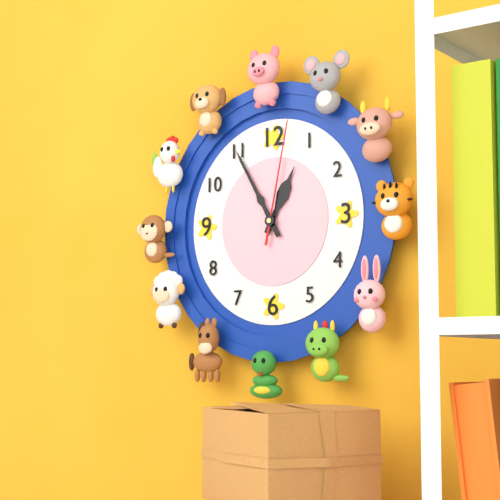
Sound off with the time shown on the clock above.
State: 12:55:02
